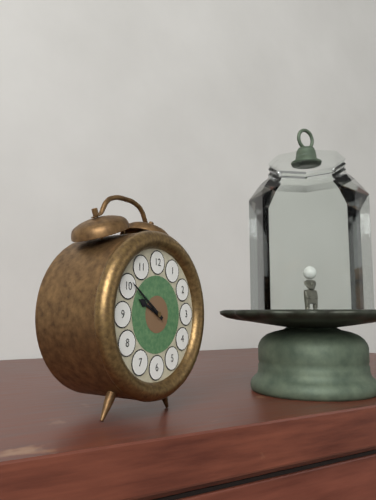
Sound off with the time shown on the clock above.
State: 9:51
